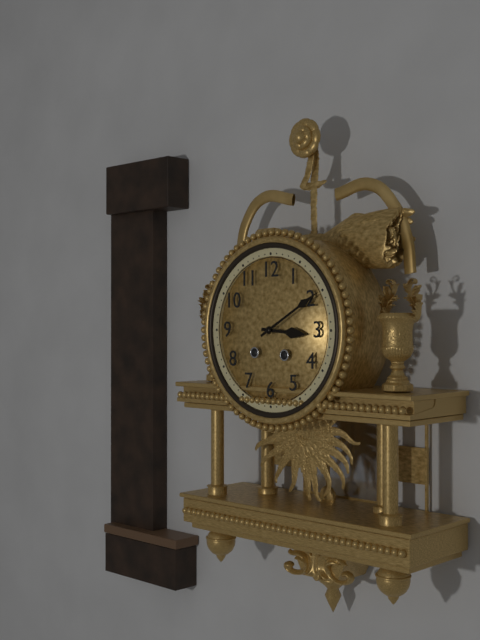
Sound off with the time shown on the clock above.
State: 3:10
